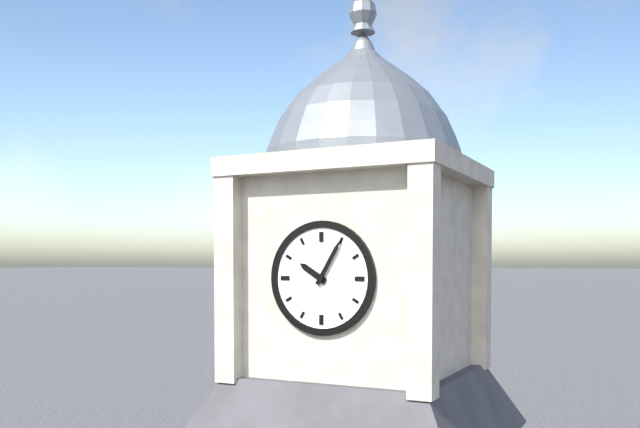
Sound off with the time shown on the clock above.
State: 10:05
